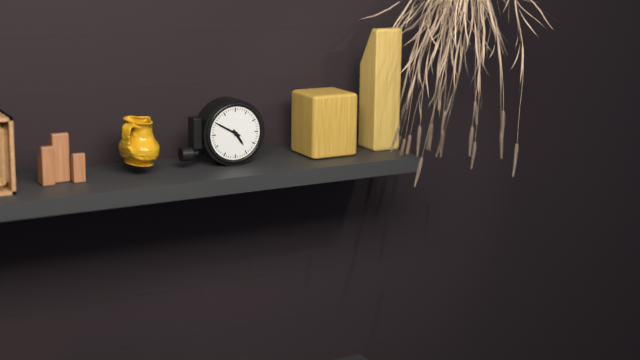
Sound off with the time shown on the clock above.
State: 4:50
